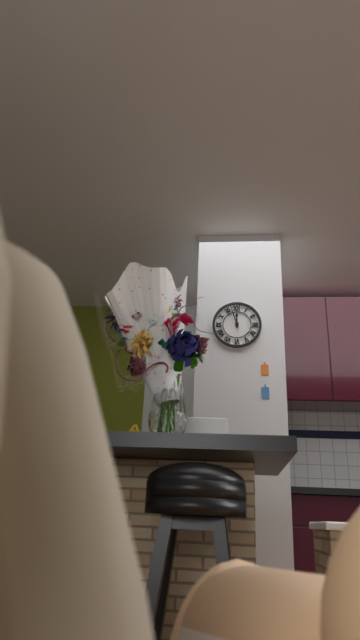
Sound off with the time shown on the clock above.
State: 11:57
